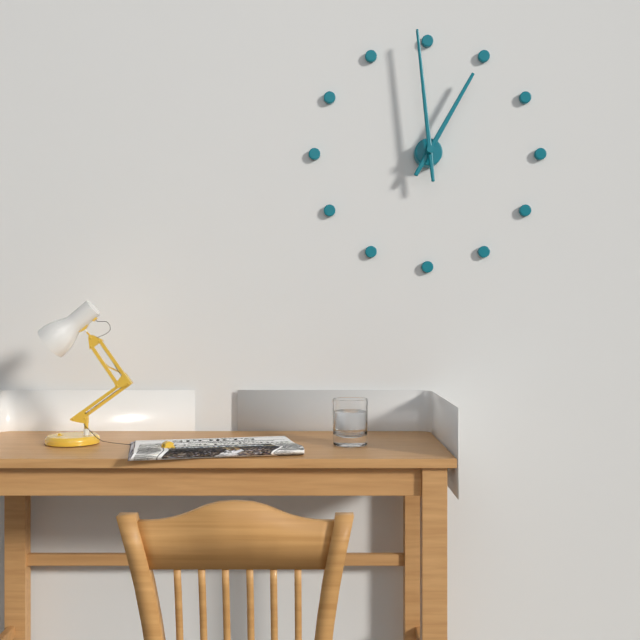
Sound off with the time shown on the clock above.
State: 12:59
